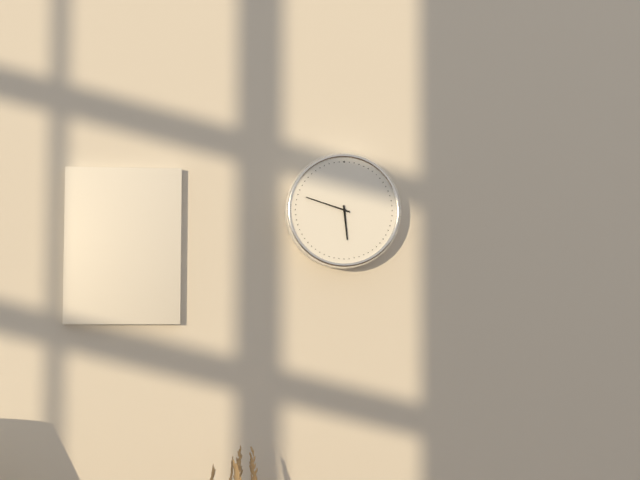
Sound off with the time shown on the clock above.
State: 5:48
